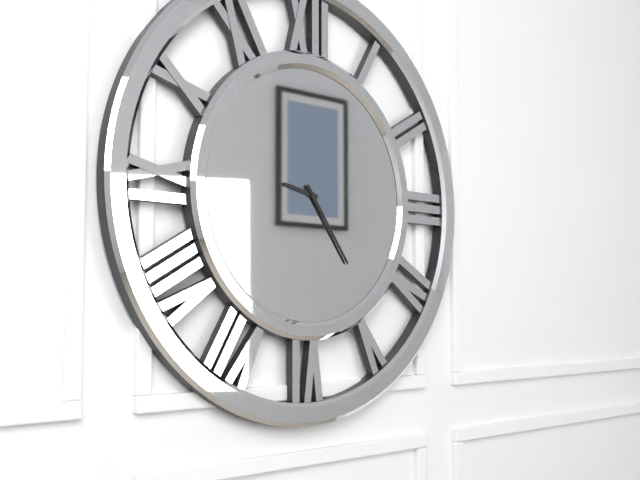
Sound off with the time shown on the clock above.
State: 9:24
